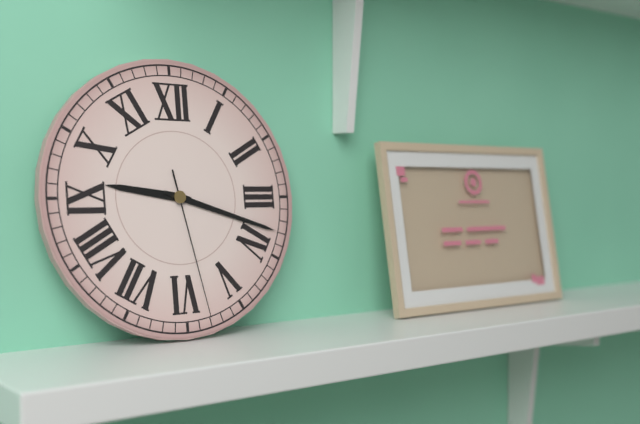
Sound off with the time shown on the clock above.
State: 9:18:28
